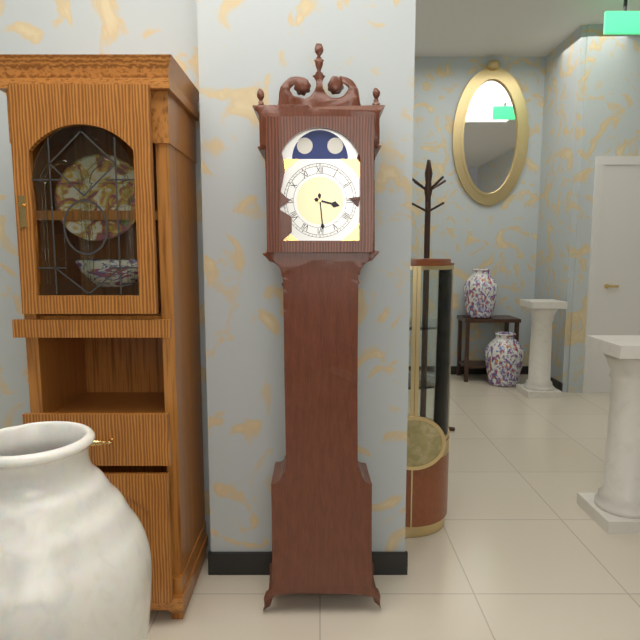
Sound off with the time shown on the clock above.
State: 3:29
